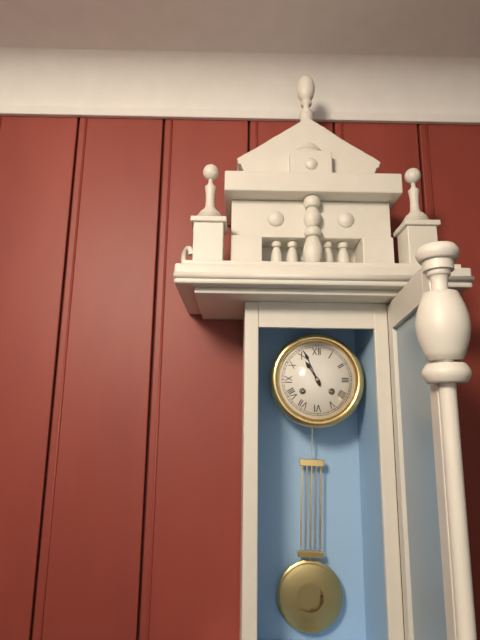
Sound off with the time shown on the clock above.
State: 10:56
